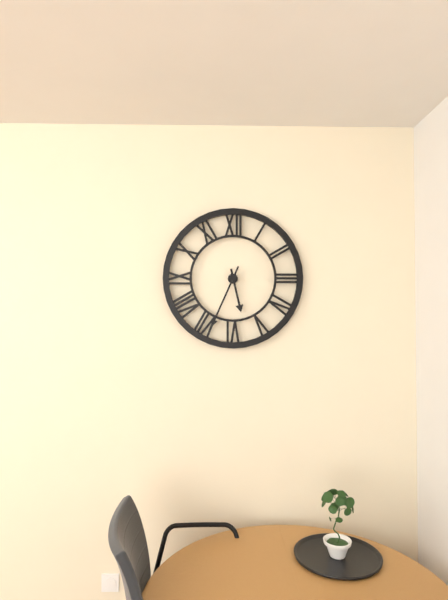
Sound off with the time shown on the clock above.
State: 5:34
